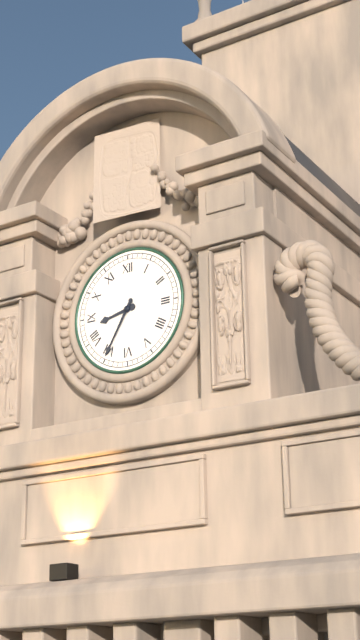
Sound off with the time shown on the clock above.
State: 8:35
